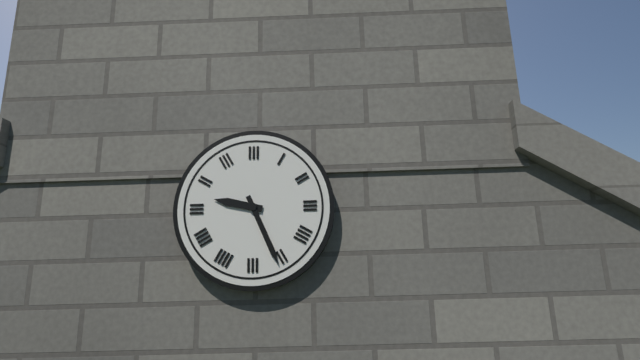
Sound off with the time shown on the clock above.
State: 9:26
